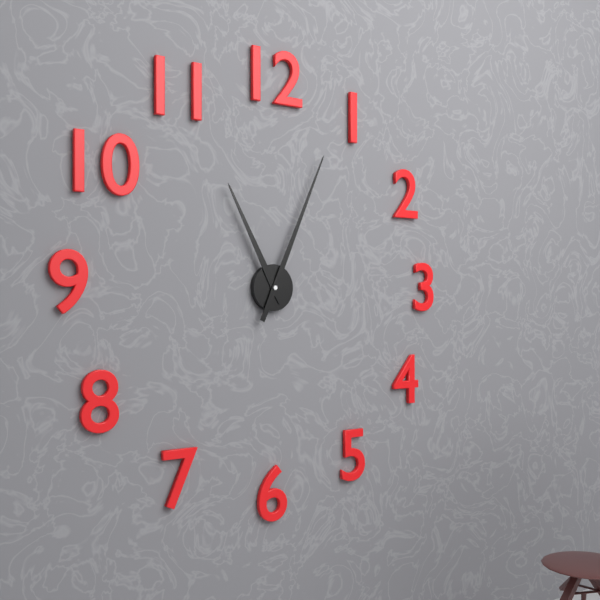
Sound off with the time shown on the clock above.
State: 11:04
